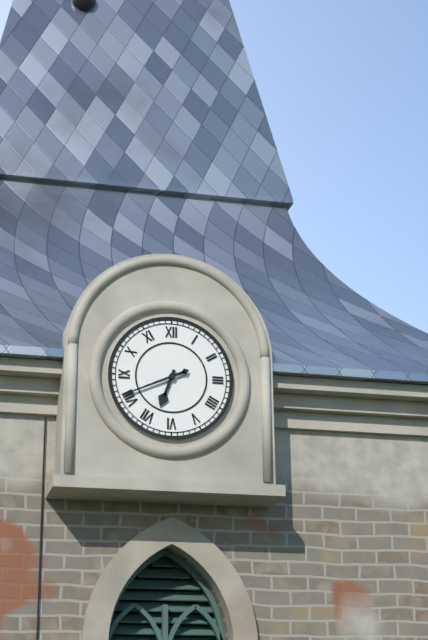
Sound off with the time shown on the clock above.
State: 6:41
